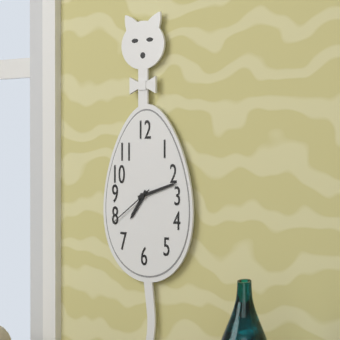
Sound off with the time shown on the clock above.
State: 7:12:39
